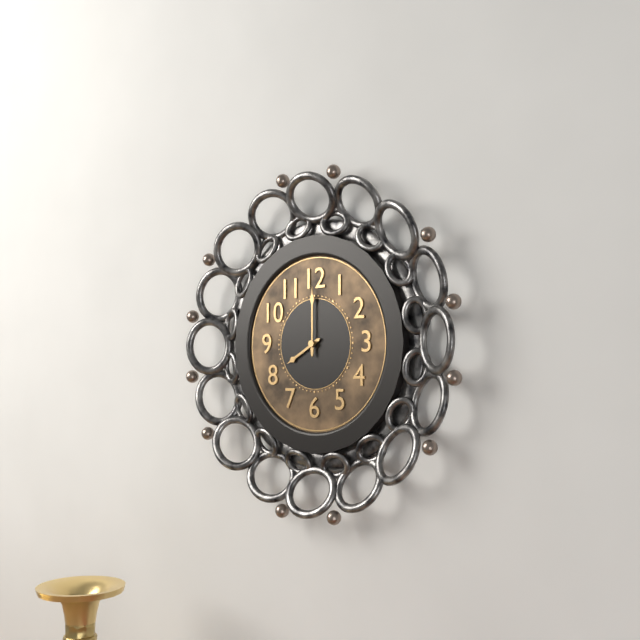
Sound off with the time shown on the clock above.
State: 8:00
